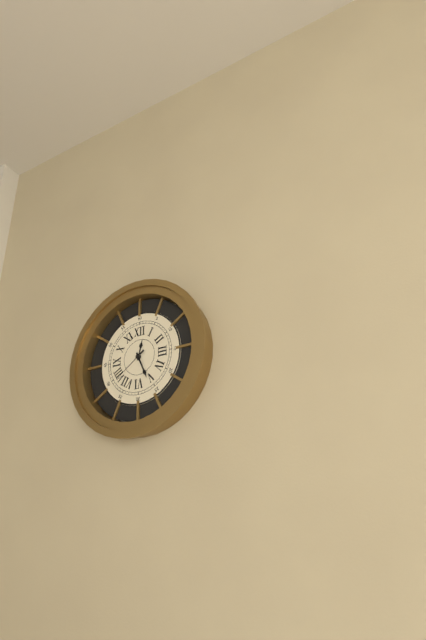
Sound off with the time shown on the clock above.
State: 12:26
